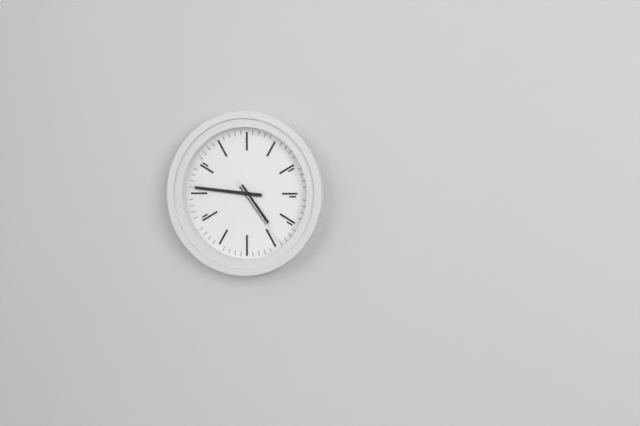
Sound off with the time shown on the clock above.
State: 4:46:24
